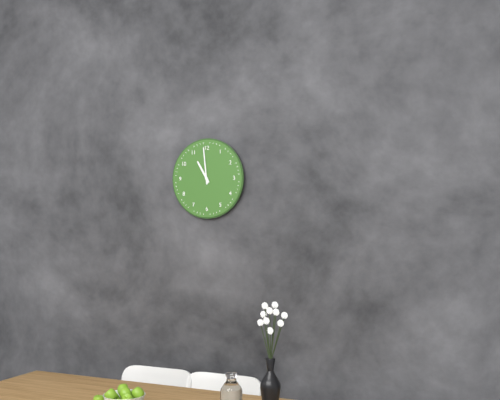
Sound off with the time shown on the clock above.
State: 10:59
